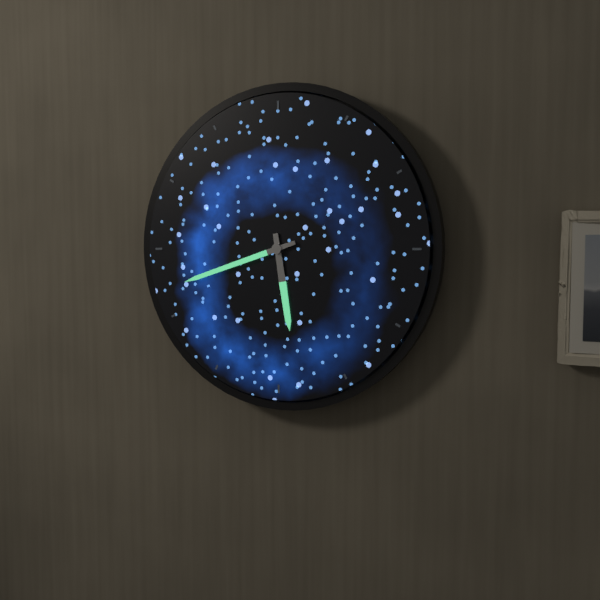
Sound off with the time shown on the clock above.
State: 5:42
